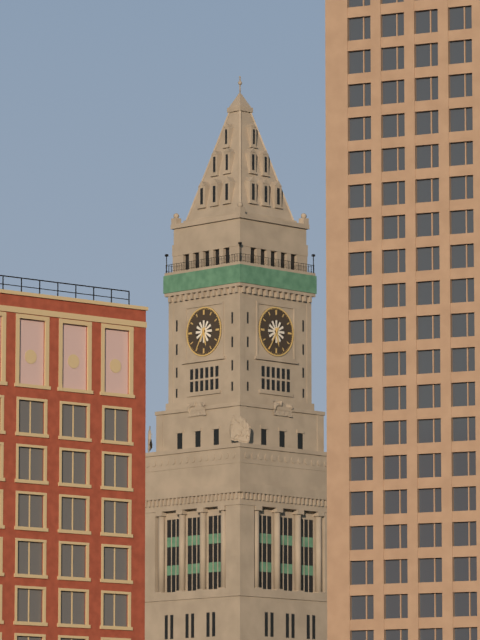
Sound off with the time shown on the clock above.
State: 5:35
